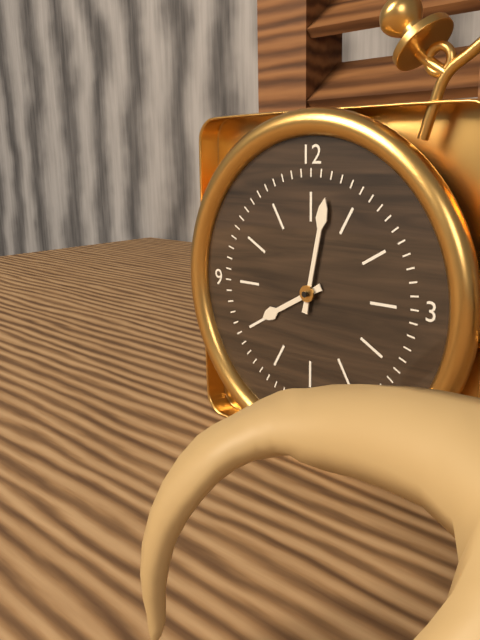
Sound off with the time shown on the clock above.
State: 8:02
